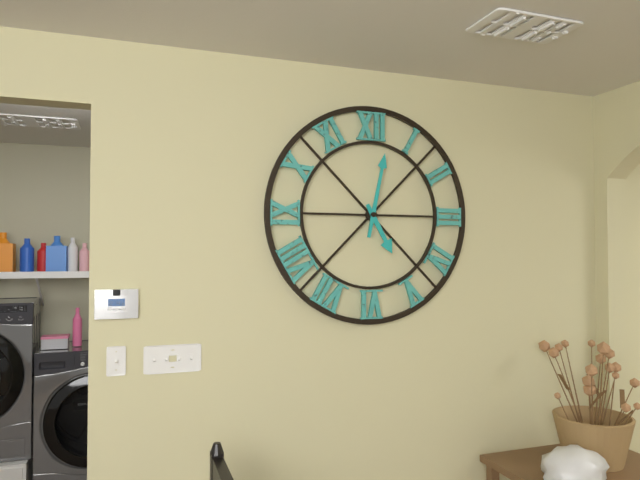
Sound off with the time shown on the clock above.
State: 5:02
